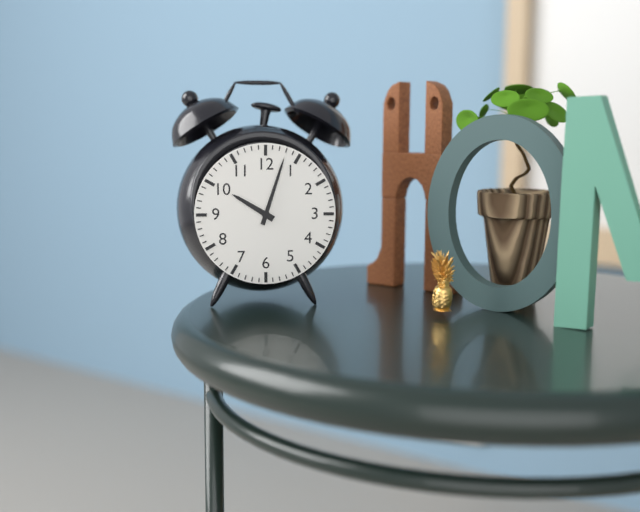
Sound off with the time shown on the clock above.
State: 10:03
